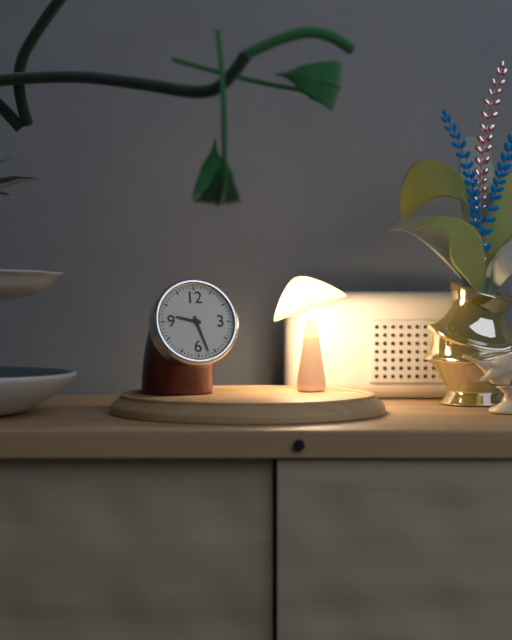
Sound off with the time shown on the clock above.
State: 9:27
